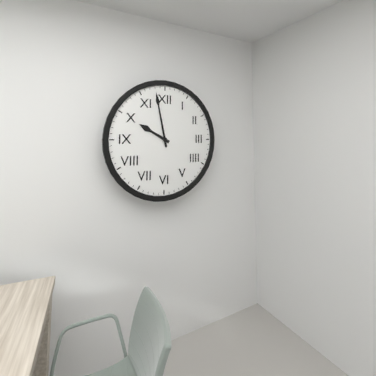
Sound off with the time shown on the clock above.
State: 9:58
